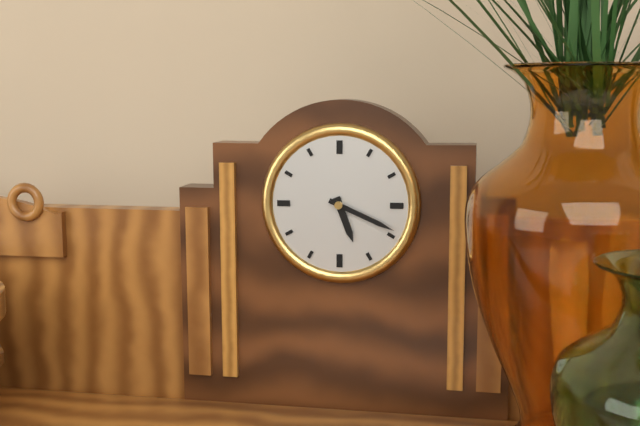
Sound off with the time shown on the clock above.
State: 5:19
